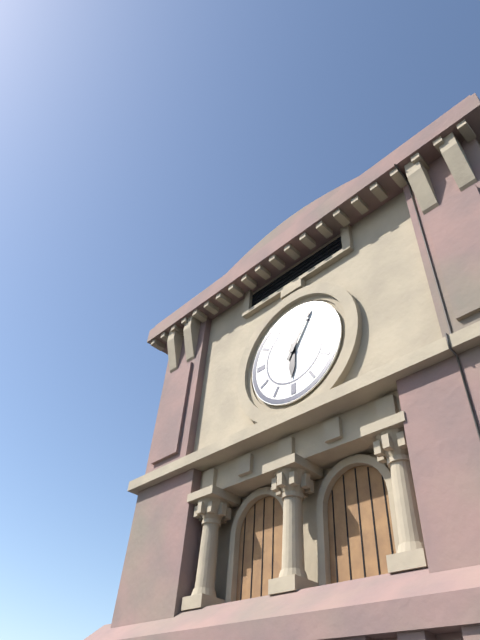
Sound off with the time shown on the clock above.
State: 6:05
